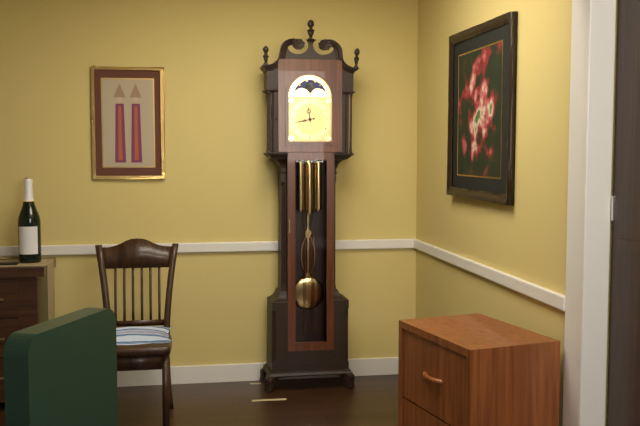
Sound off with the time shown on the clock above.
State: 11:43
